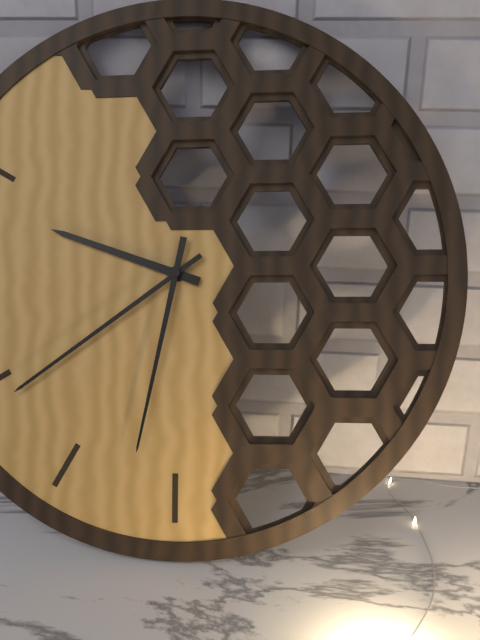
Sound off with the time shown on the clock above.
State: 9:39:32
